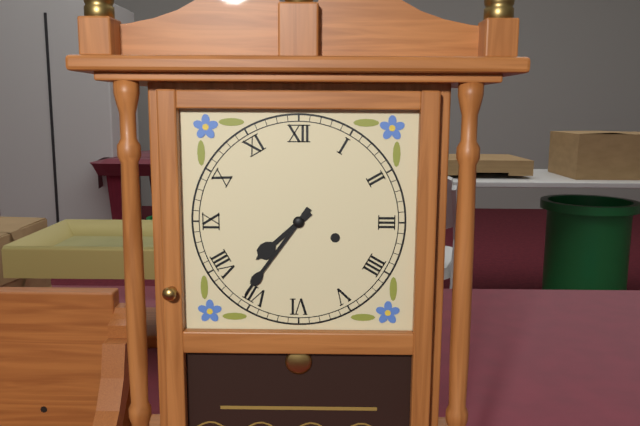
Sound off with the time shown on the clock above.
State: 7:36
